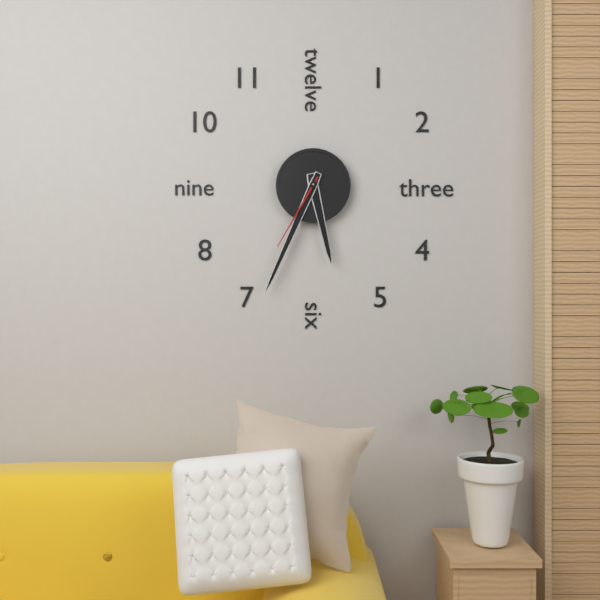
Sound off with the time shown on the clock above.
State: 5:34:35
